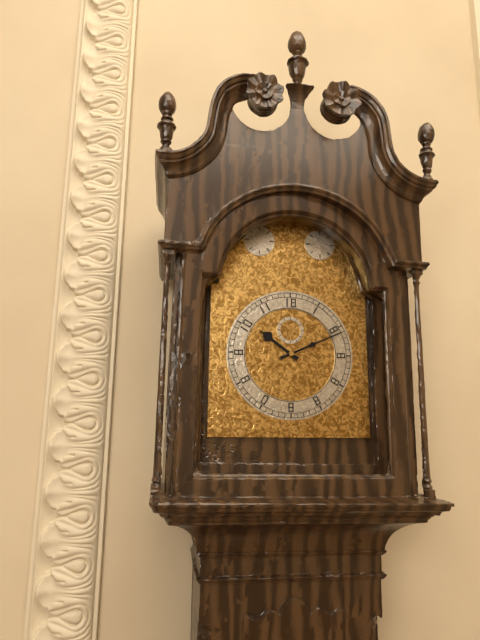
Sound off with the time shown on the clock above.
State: 10:11
